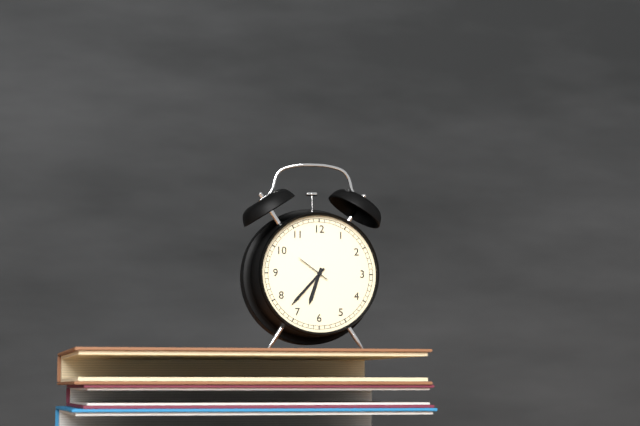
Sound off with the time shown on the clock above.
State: 6:37
